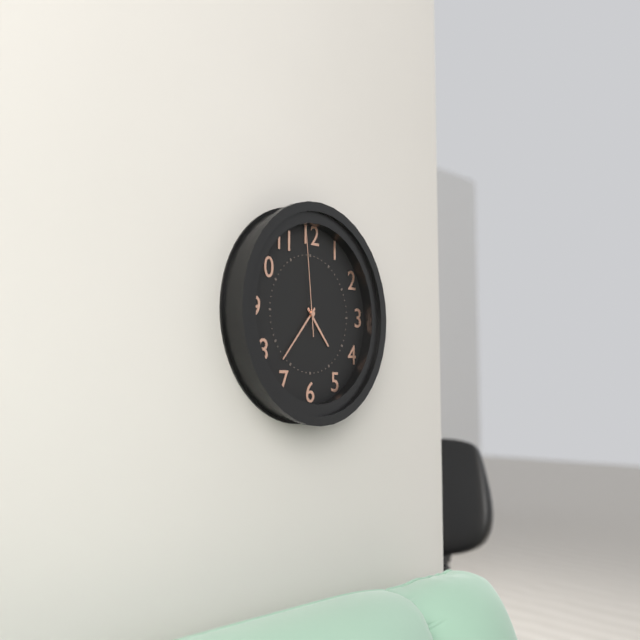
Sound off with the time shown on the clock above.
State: 4:37:59
